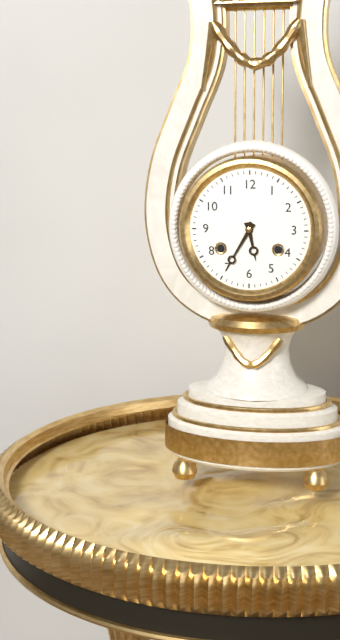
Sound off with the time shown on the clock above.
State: 5:35
